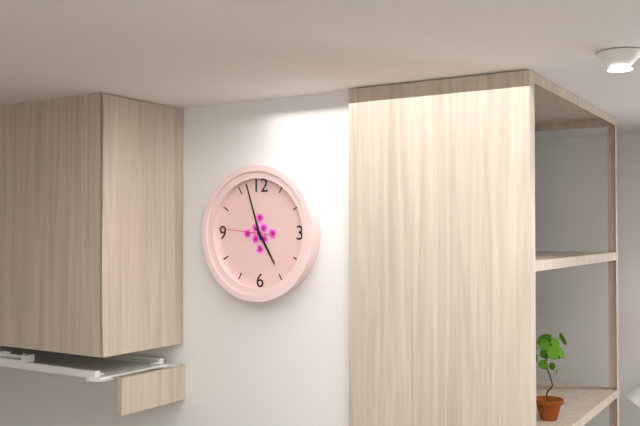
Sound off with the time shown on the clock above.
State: 4:57:46
